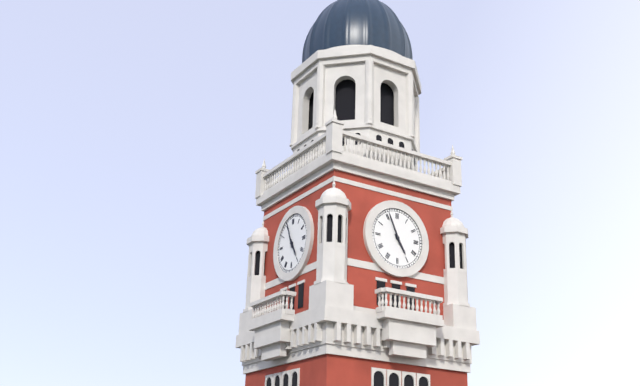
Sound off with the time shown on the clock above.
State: 4:56
